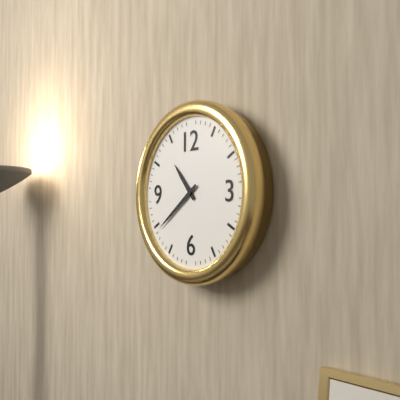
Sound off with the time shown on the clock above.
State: 10:39
